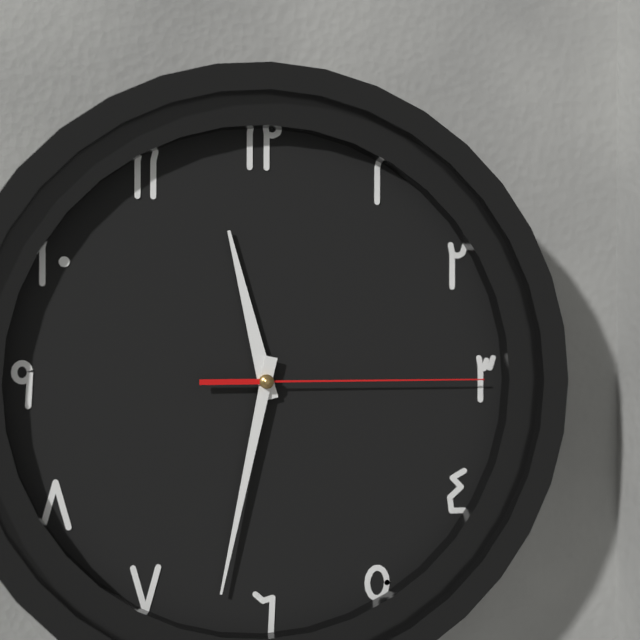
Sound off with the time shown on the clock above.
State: 11:32:15
